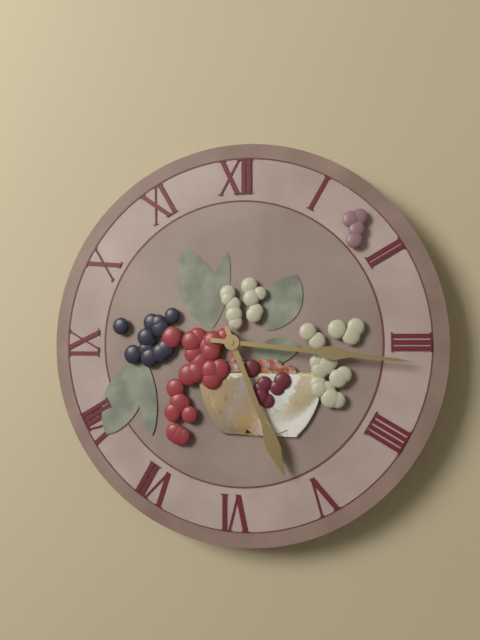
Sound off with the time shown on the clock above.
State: 5:16
